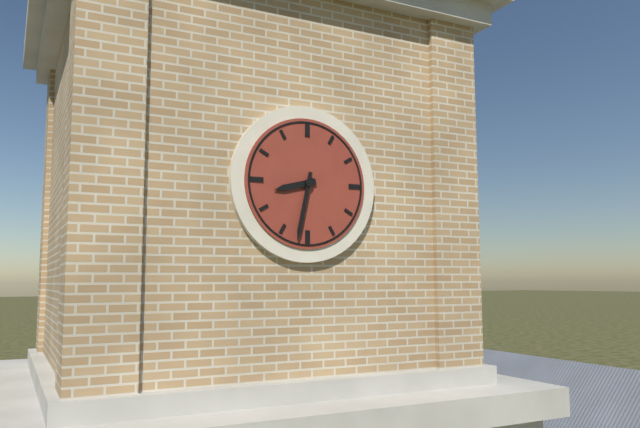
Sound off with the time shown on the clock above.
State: 8:32
